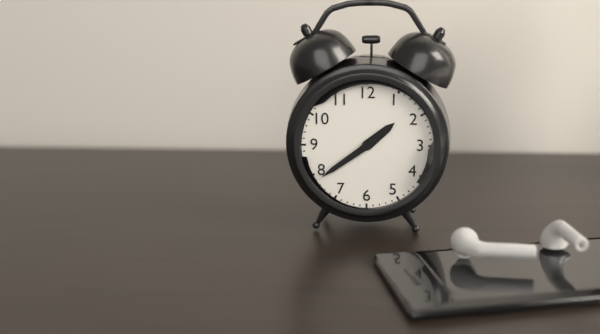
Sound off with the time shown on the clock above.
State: 1:39
